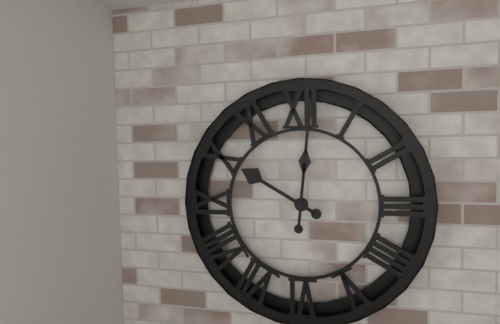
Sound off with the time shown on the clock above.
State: 10:01
